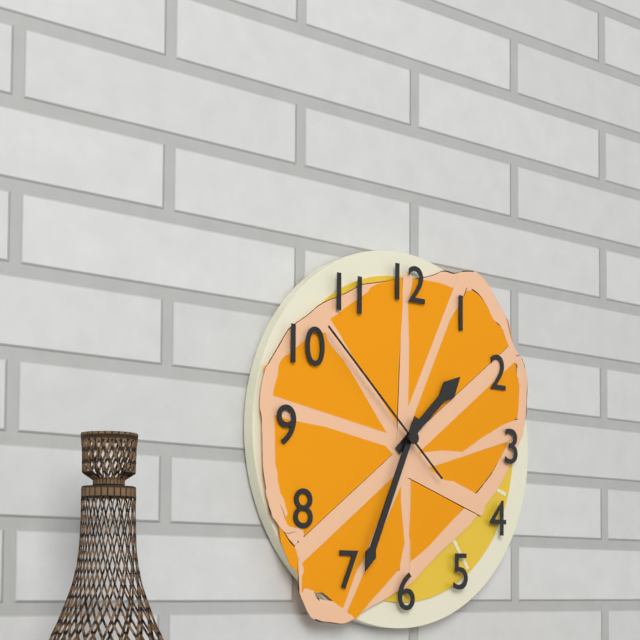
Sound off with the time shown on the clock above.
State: 1:34:52
